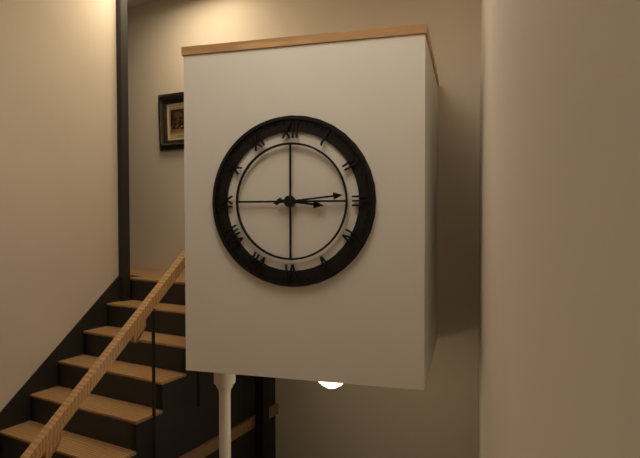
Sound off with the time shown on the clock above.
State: 3:14
